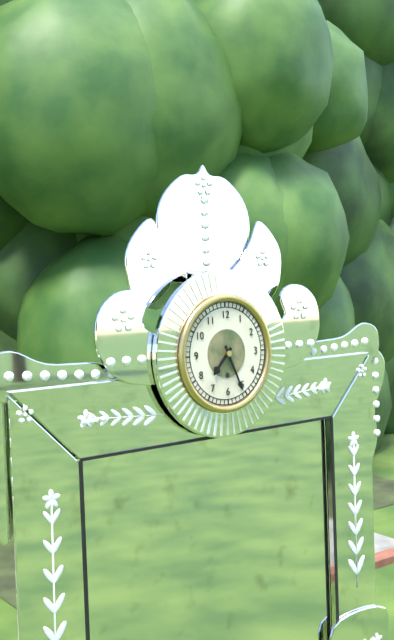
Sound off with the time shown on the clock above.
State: 7:26
